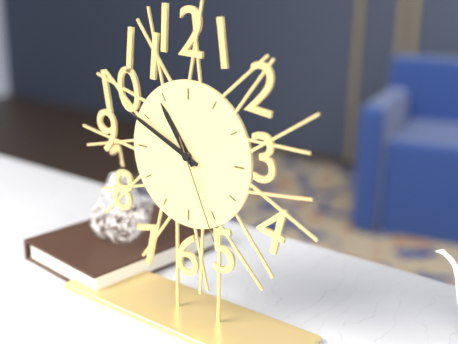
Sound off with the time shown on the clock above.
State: 10:49:26
